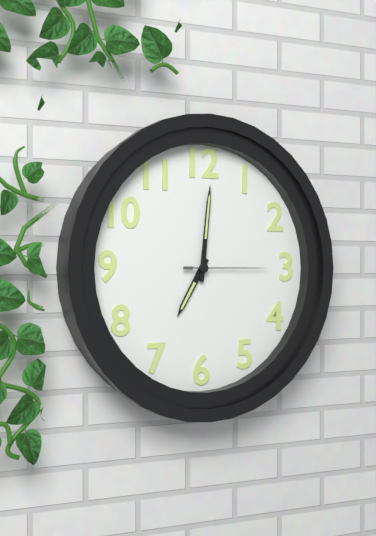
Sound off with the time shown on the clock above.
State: 7:01:15
